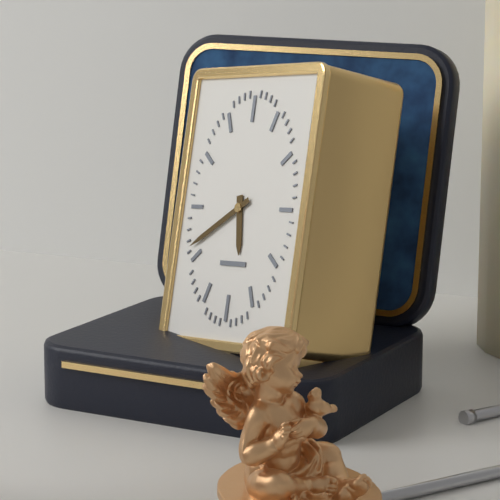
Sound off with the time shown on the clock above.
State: 5:40
